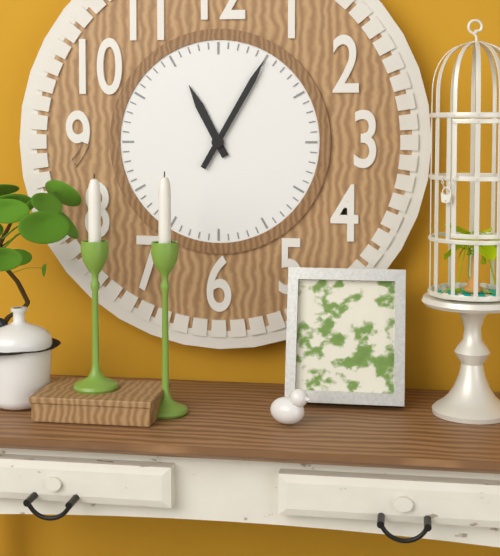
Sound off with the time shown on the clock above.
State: 11:05
